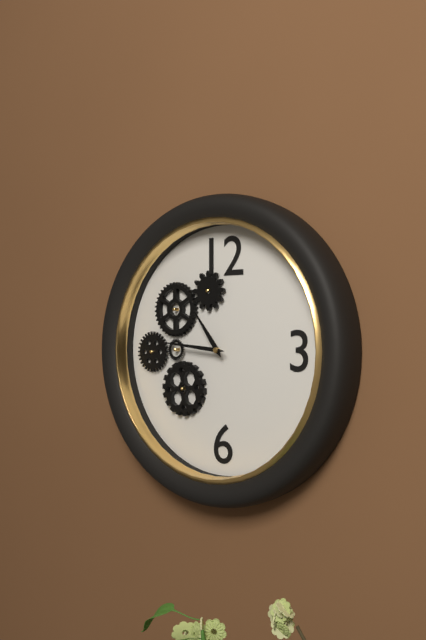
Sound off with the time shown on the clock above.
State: 10:46
